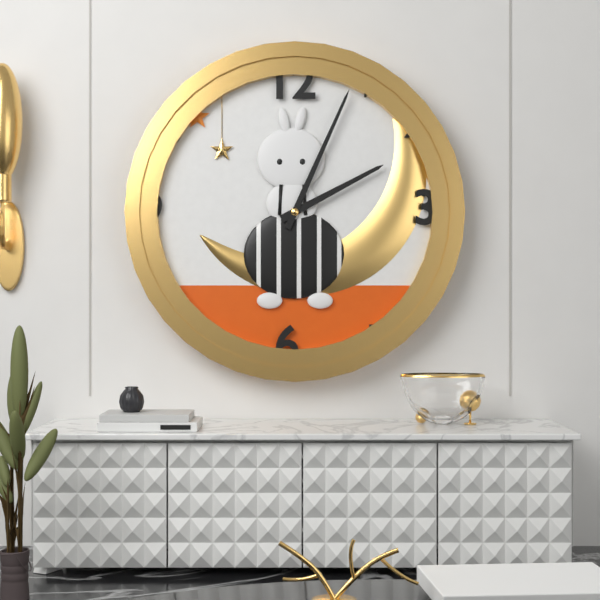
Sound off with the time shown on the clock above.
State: 2:04
